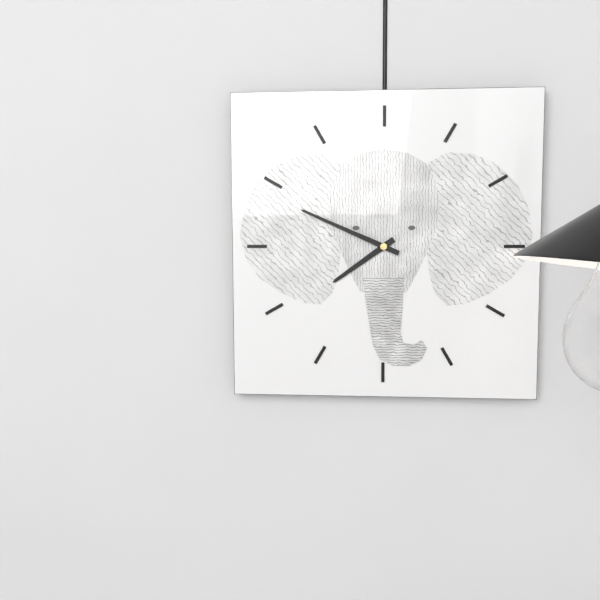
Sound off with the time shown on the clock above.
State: 7:49
